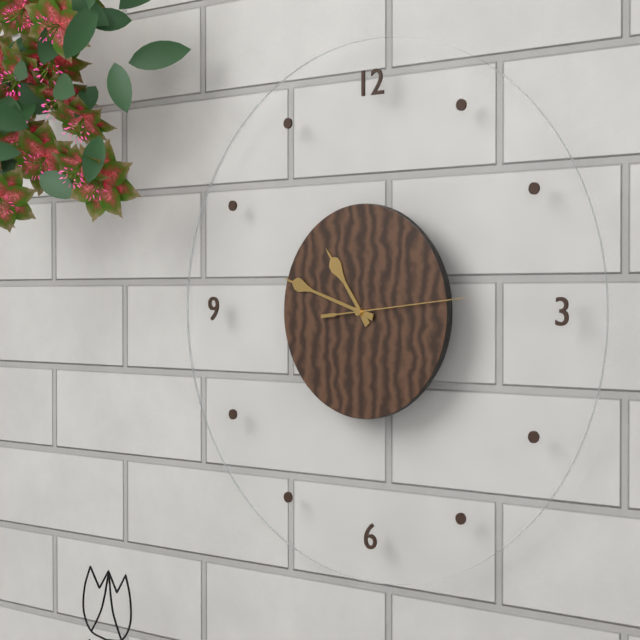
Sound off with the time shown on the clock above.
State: 10:48:14
